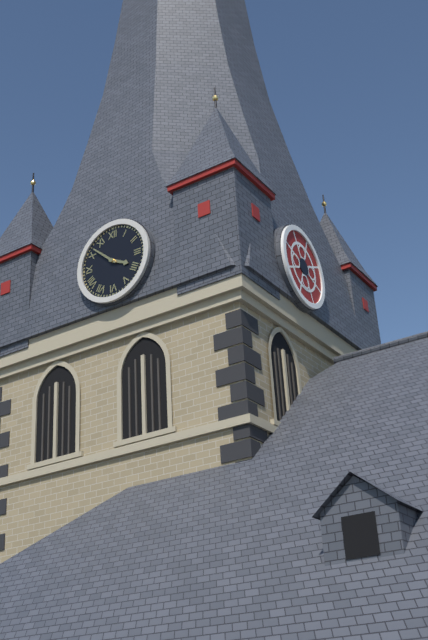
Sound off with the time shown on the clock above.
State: 3:52
